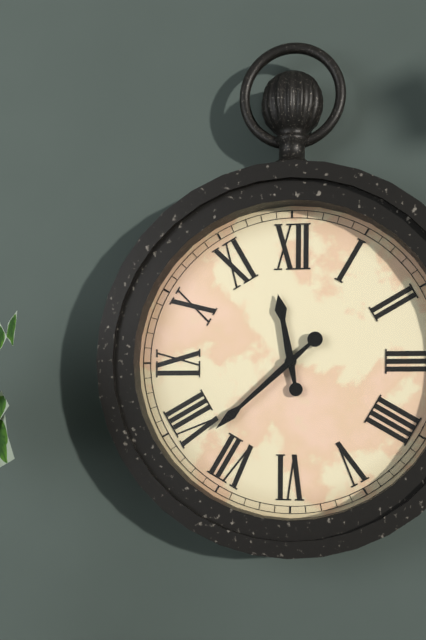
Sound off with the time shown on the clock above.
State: 11:38
